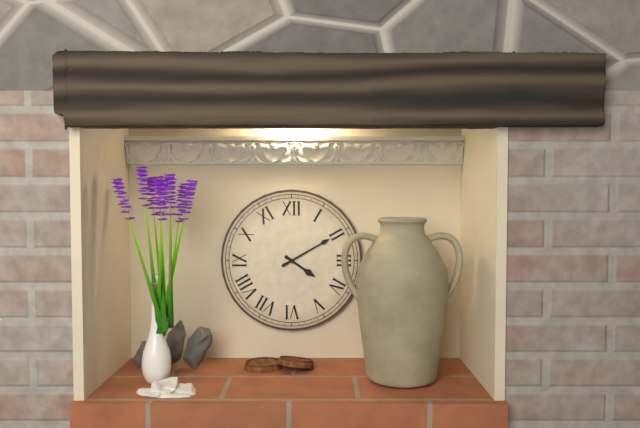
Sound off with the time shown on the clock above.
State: 4:10
